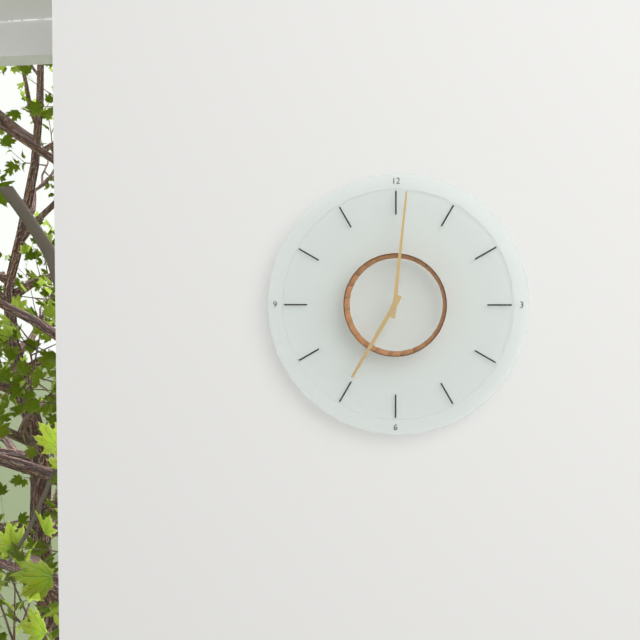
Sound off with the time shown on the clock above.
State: 7:01
